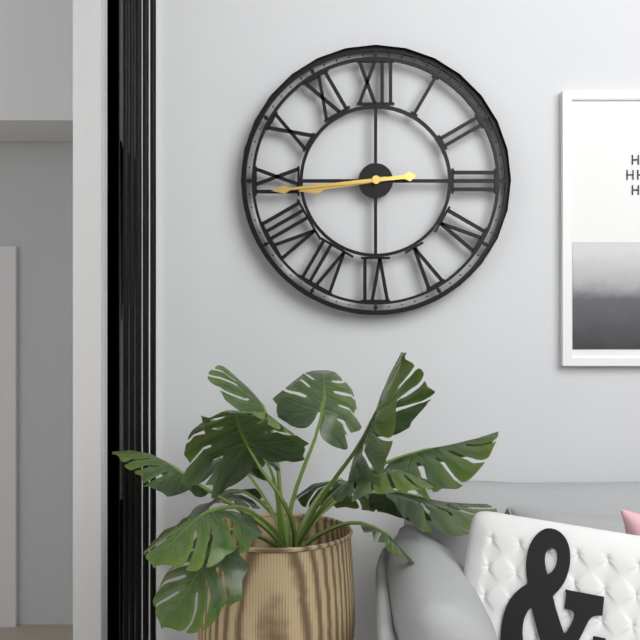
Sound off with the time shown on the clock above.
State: 8:44
